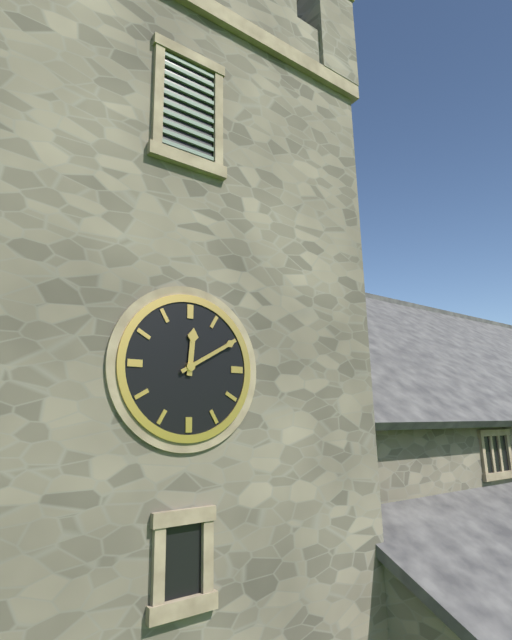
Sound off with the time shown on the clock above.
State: 12:10
